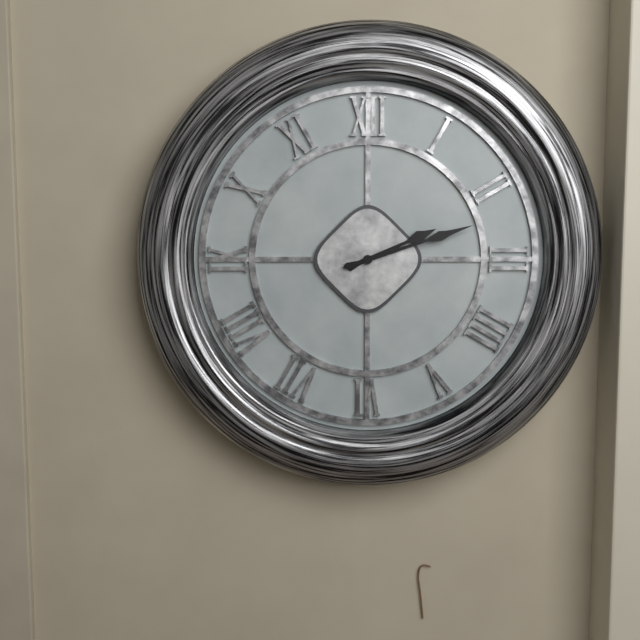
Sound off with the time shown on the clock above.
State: 2:12
